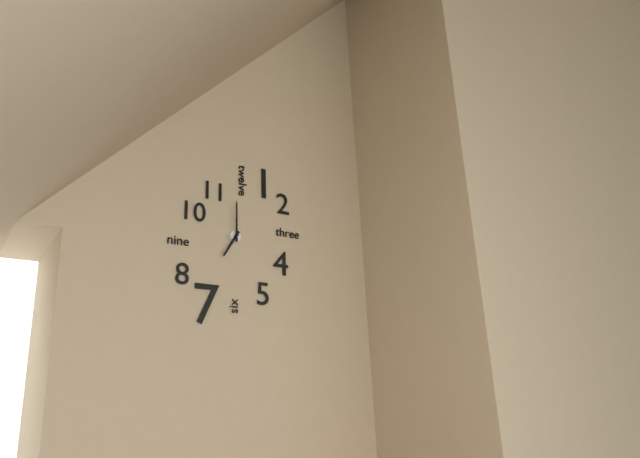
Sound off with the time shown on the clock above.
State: 7:00
